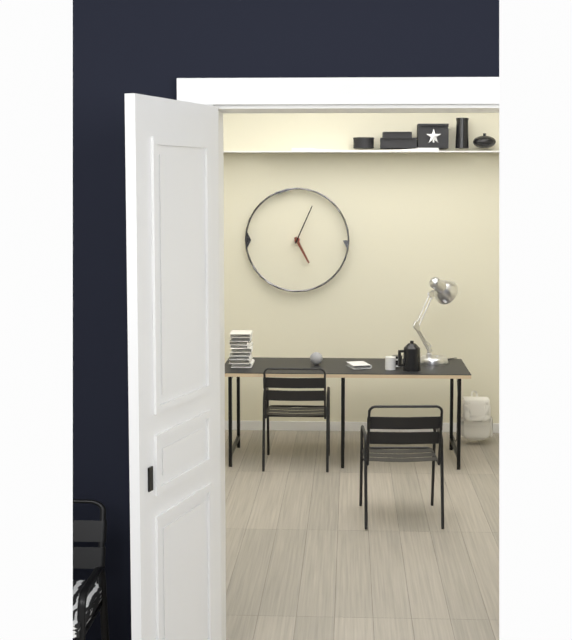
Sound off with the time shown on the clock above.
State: 5:04
